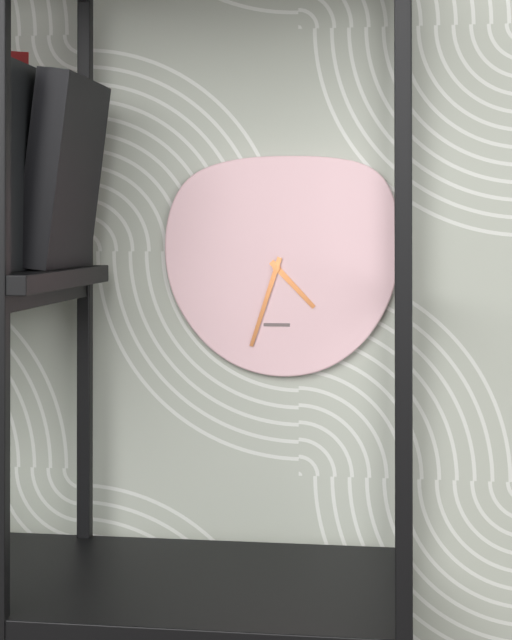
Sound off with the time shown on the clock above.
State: 4:33
